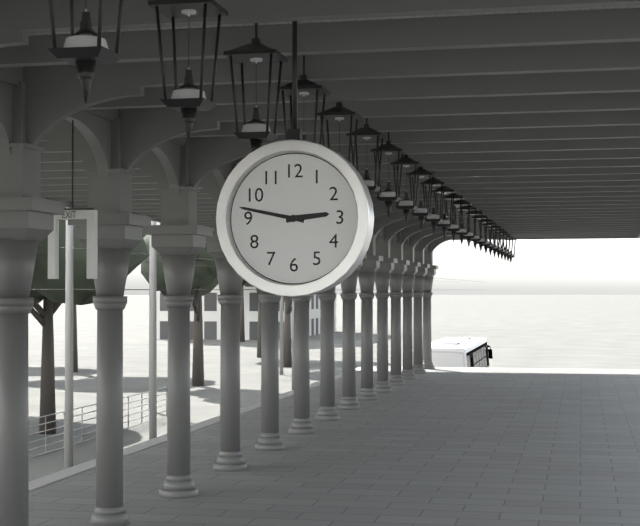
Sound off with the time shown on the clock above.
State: 2:47
